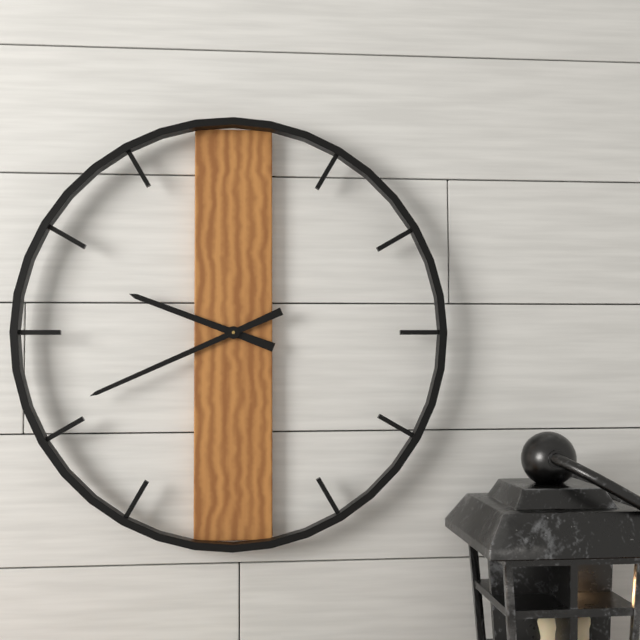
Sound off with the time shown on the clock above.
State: 9:41
